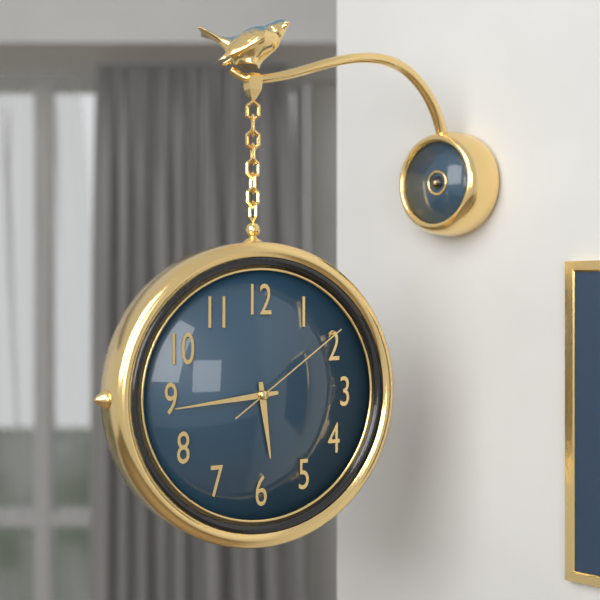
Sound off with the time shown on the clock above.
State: 5:44:09
